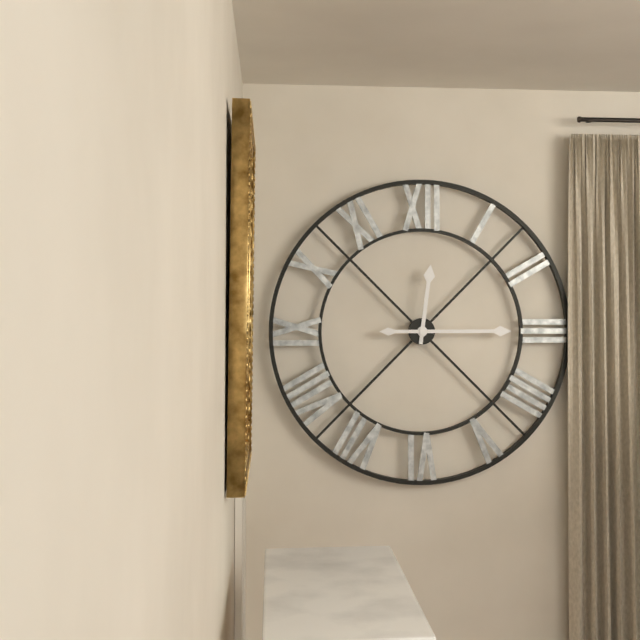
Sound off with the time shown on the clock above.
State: 12:15
